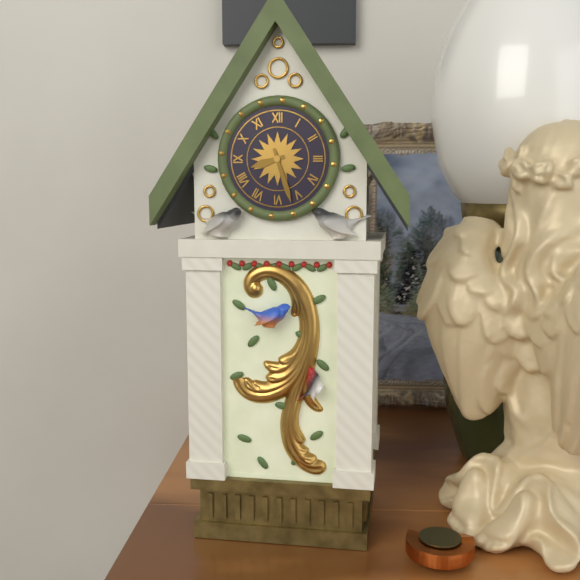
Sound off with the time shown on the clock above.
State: 8:27
